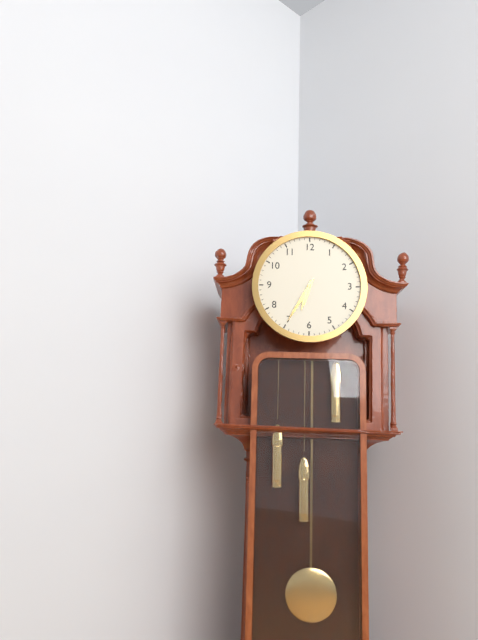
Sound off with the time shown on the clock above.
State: 6:35
